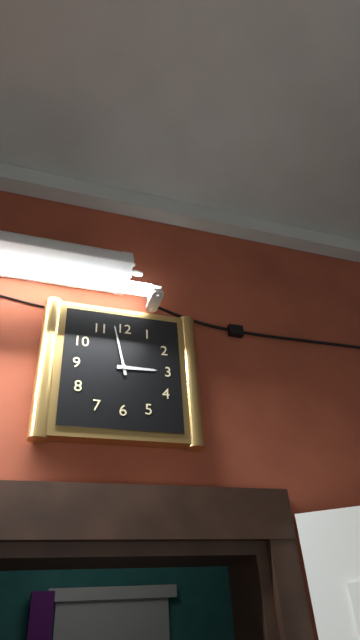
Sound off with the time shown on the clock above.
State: 2:58
